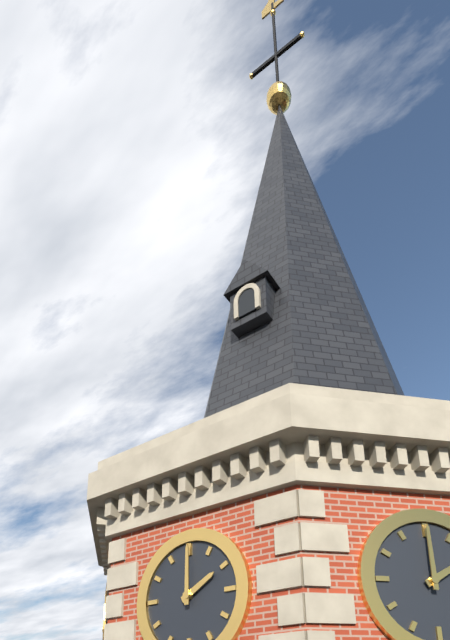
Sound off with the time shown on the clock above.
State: 2:00
